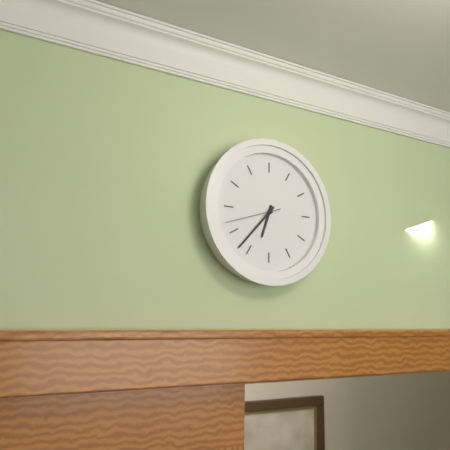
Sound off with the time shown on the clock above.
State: 6:37:42
